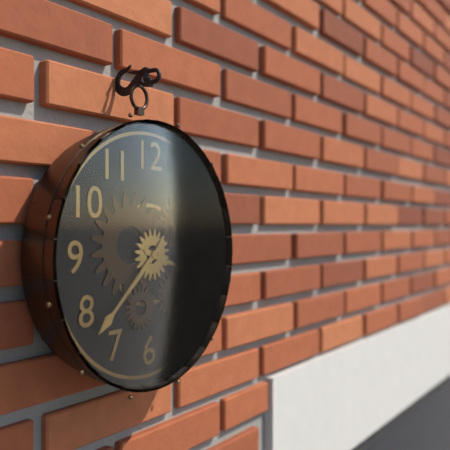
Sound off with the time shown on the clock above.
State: 3:38
